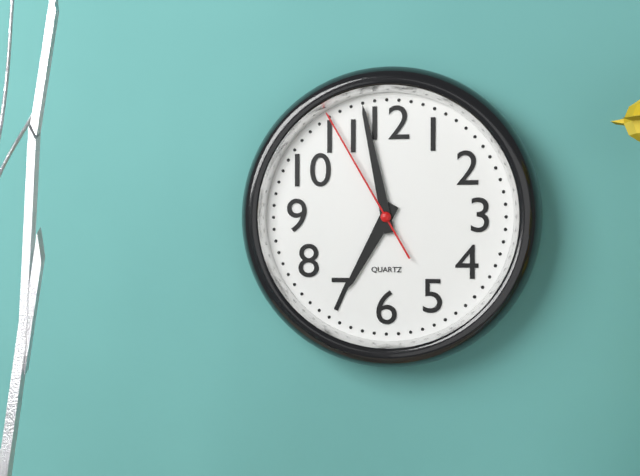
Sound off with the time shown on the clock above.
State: 6:58:55
